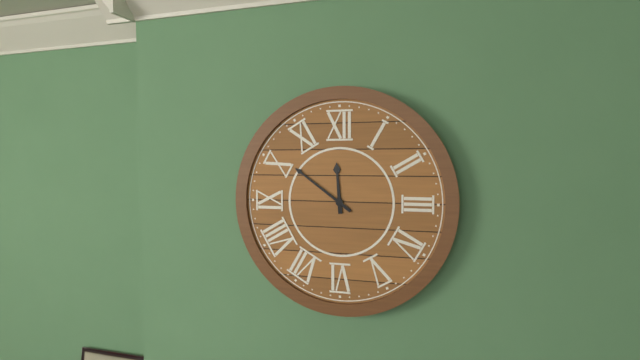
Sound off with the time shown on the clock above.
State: 11:51
